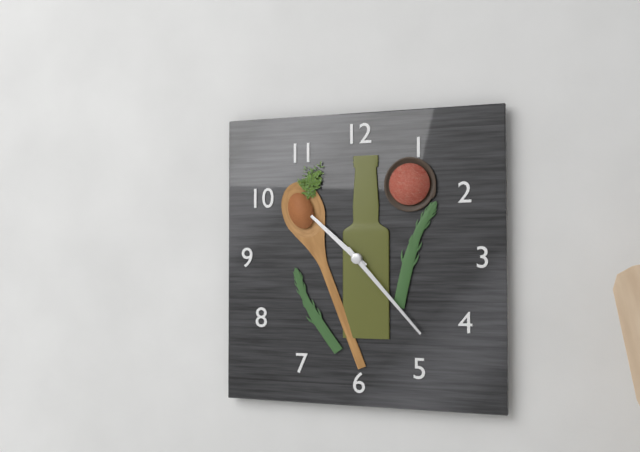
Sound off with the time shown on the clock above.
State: 10:23
